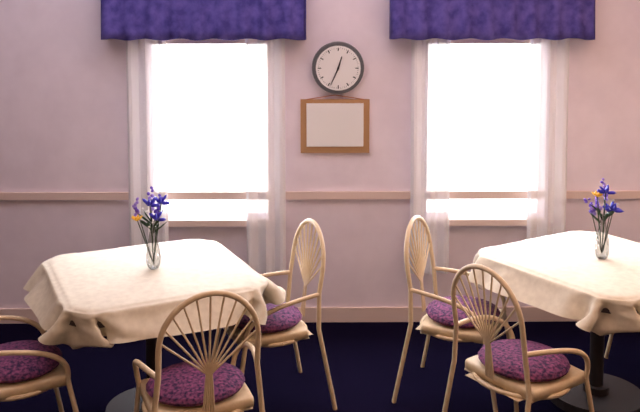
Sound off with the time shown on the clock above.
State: 12:34
